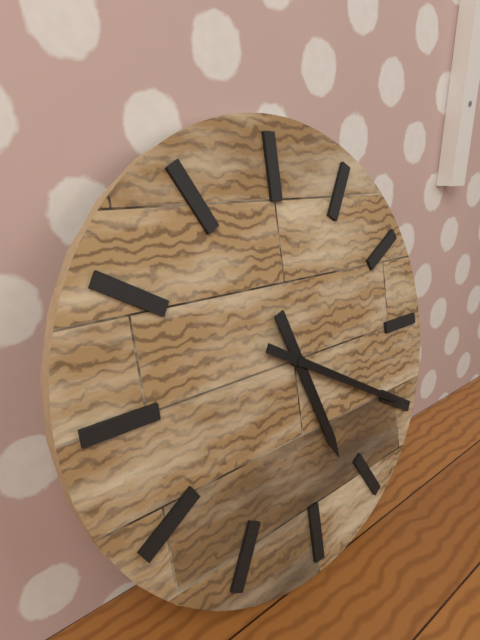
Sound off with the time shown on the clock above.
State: 5:20
